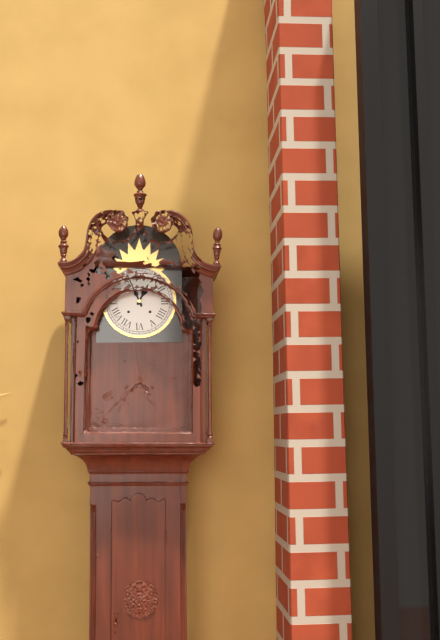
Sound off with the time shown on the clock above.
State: 12:56
